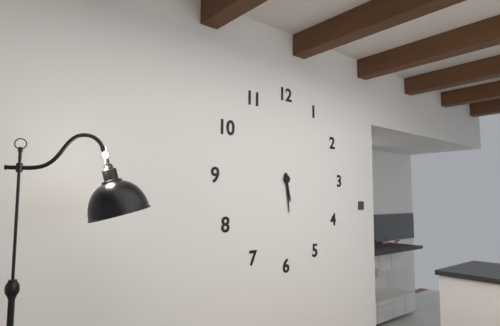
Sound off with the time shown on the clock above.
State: 5:29
